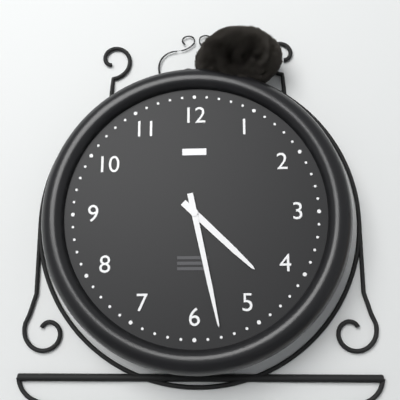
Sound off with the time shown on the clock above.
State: 4:28
